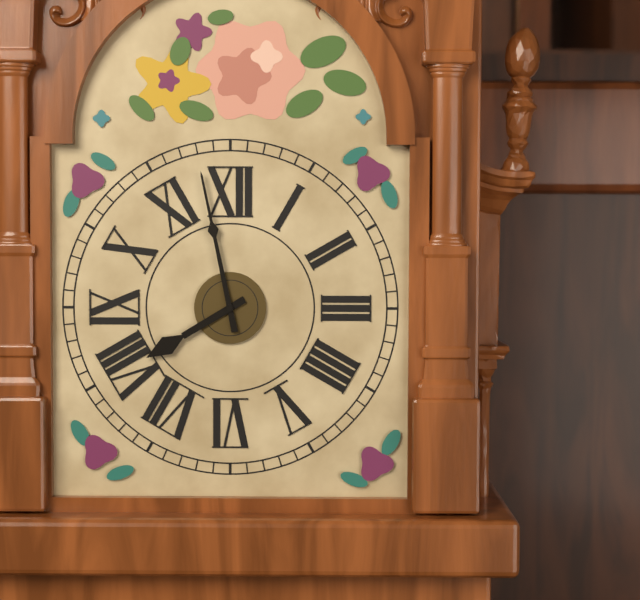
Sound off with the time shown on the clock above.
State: 7:58
